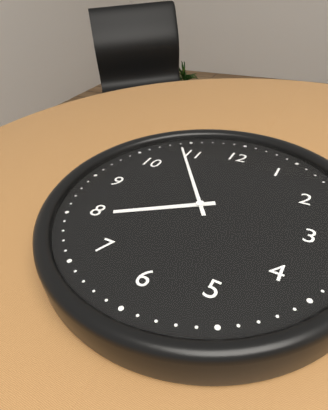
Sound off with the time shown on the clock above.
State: 7:54
